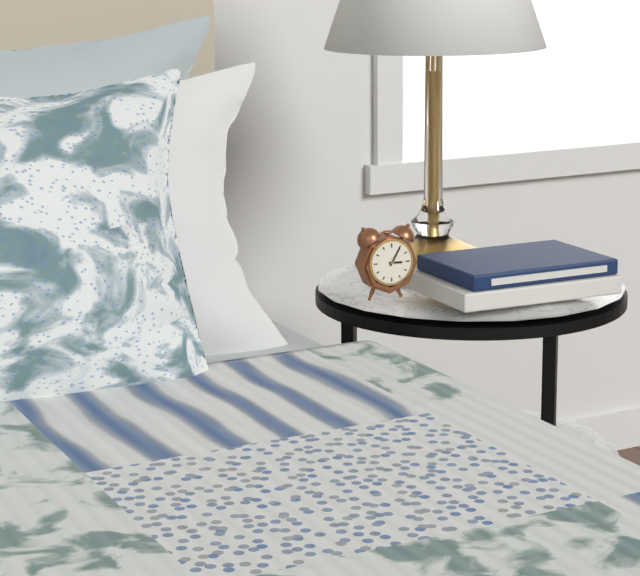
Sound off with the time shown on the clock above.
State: 3:05
